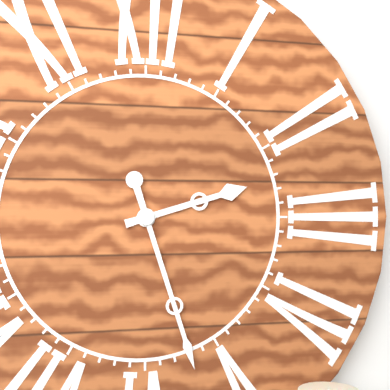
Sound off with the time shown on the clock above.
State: 2:27
